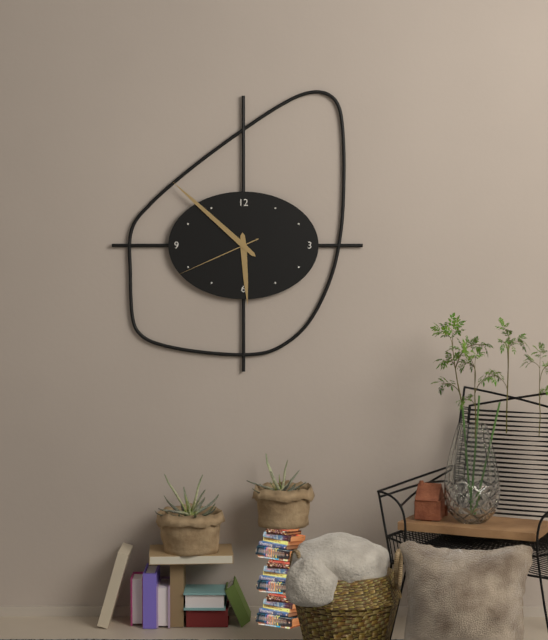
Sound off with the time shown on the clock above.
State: 5:52:41
